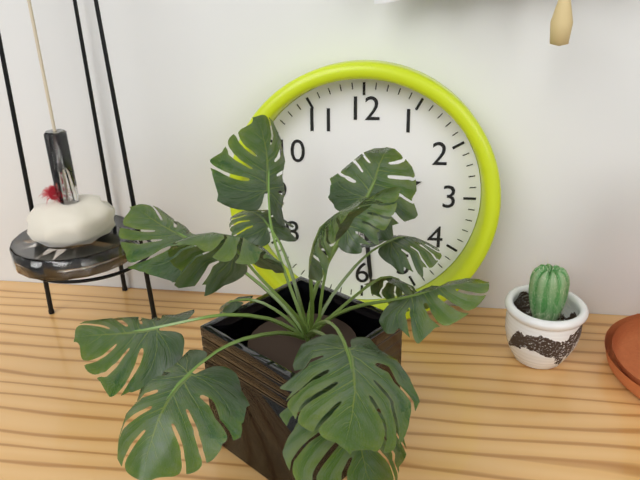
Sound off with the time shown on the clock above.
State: 2:29
